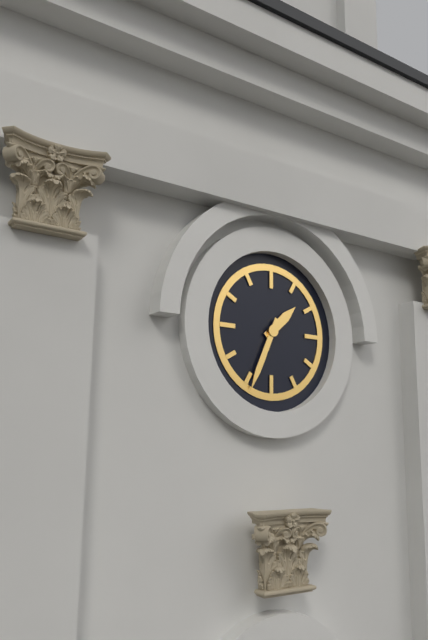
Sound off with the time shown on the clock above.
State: 1:34
